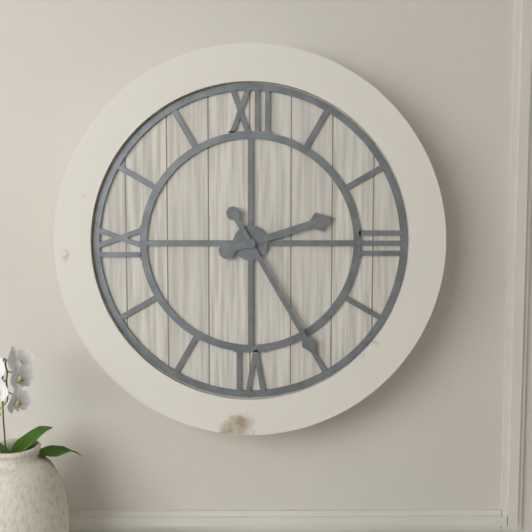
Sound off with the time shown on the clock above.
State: 2:25
